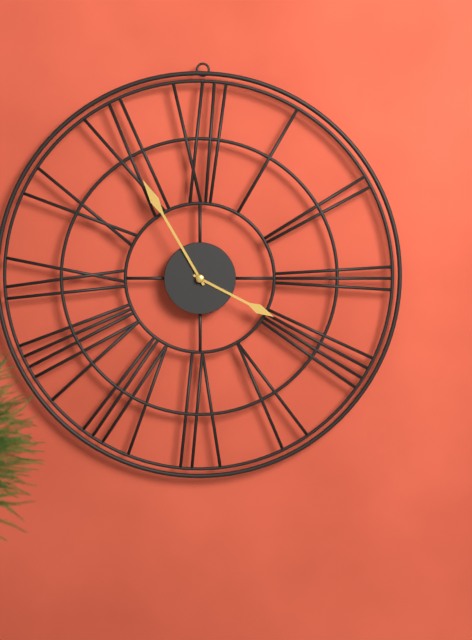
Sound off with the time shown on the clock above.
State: 3:55
